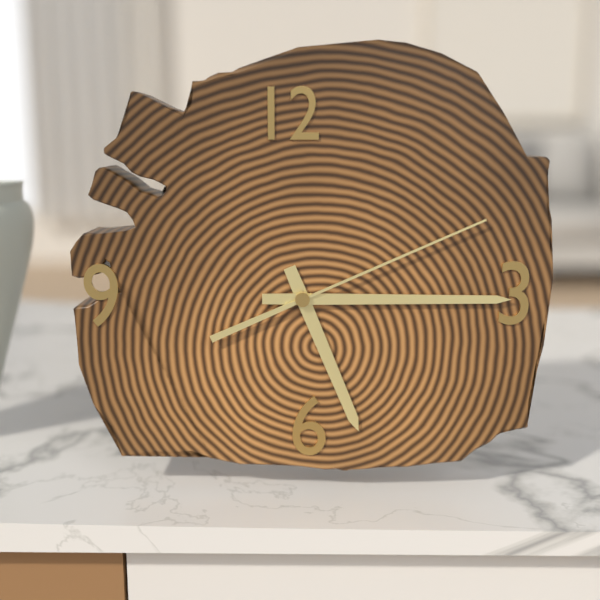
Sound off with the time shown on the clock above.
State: 5:15:11
